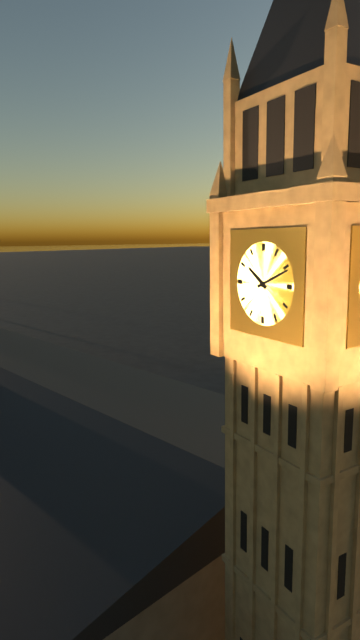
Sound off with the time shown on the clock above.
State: 10:11
